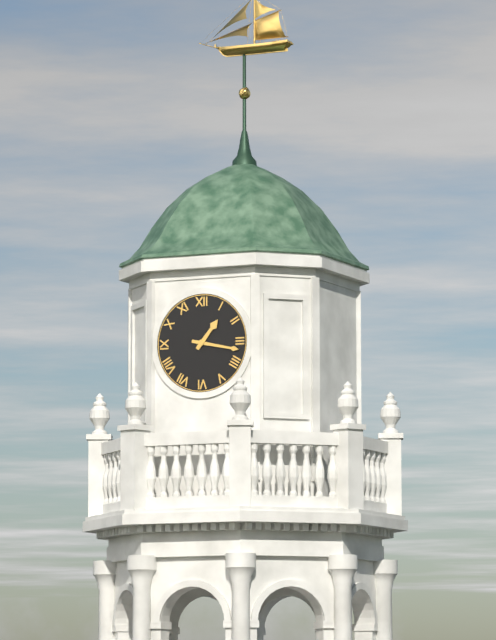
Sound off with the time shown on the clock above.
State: 1:17
